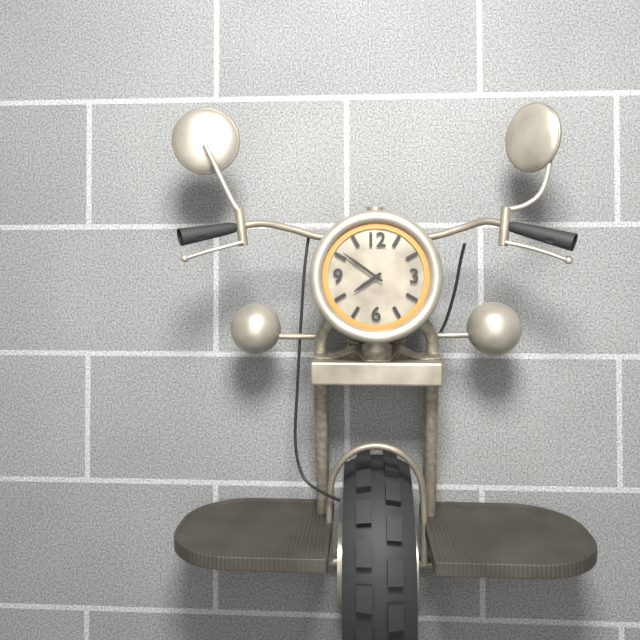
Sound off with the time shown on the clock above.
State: 7:51
